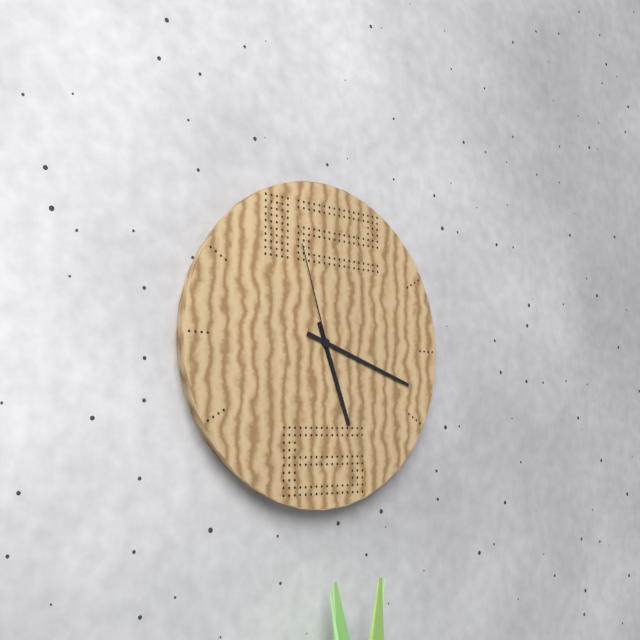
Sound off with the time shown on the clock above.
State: 5:18:57
